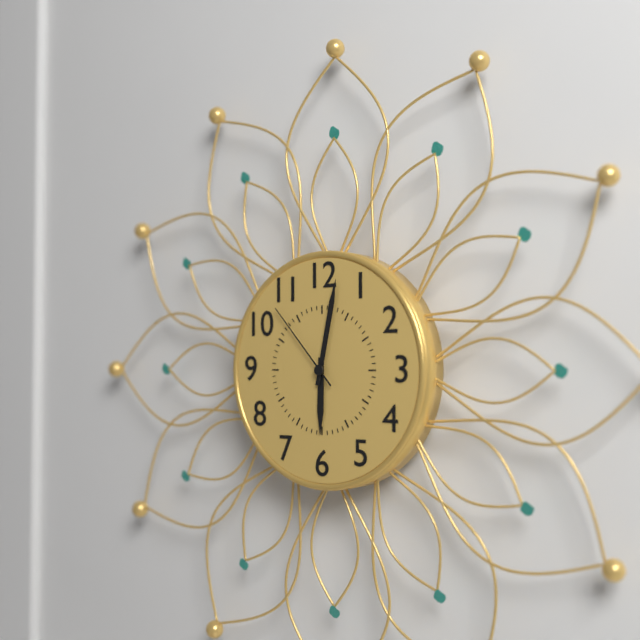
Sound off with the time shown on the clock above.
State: 6:02:53
